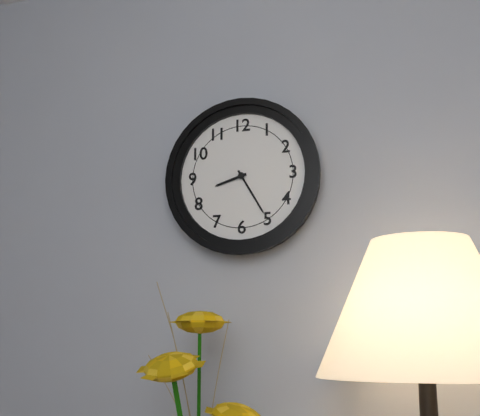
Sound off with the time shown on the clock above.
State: 8:25
